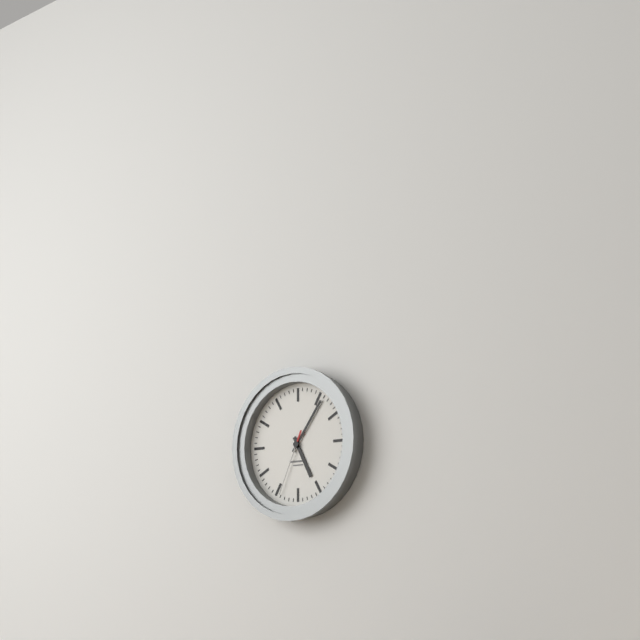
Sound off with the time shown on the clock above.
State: 5:06:34
